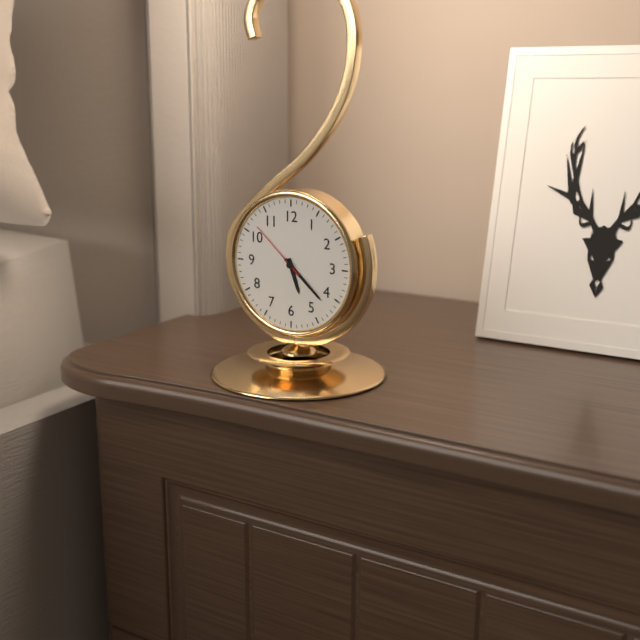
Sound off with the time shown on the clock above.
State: 5:22:52
